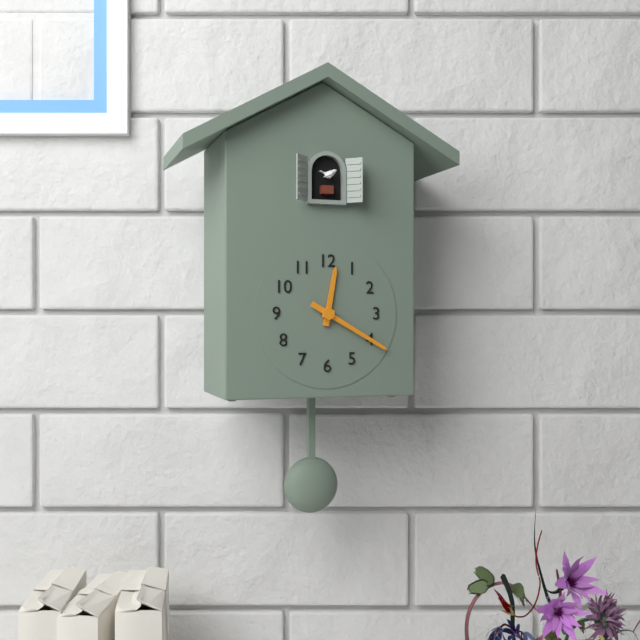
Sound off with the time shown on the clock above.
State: 12:20
